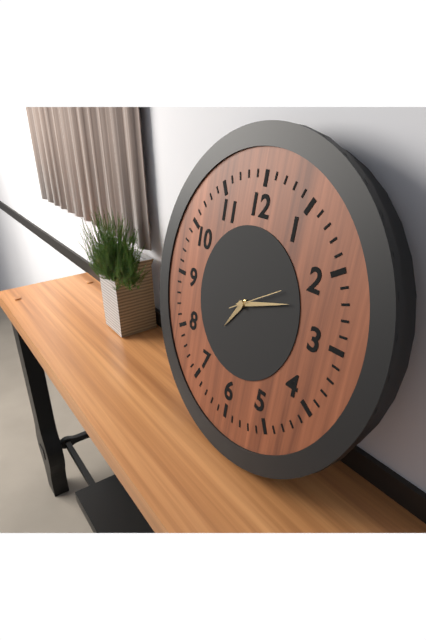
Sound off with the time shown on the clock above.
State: 7:12
